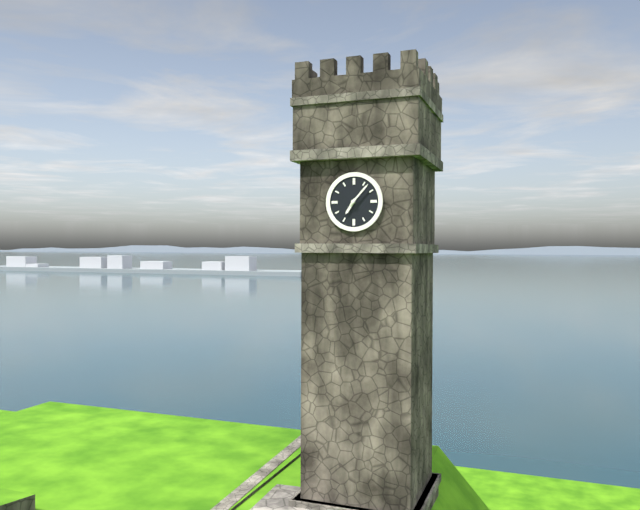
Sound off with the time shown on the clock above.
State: 7:07
